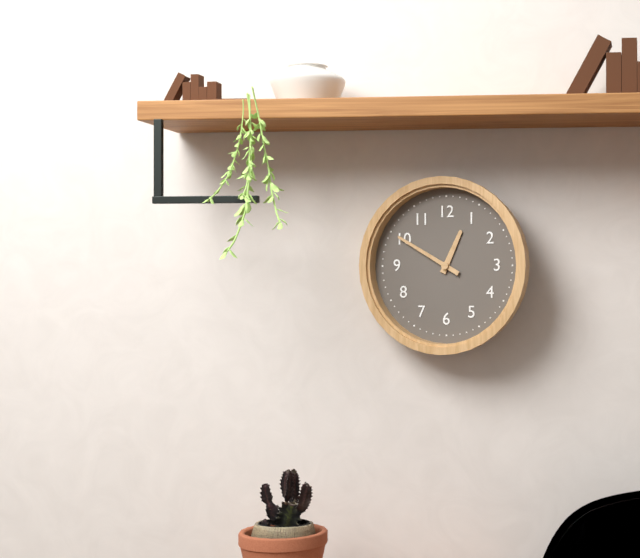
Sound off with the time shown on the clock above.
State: 12:50
